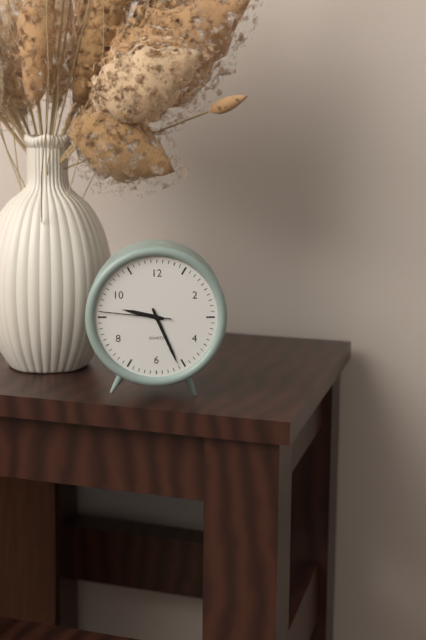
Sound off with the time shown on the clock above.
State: 9:26:46
